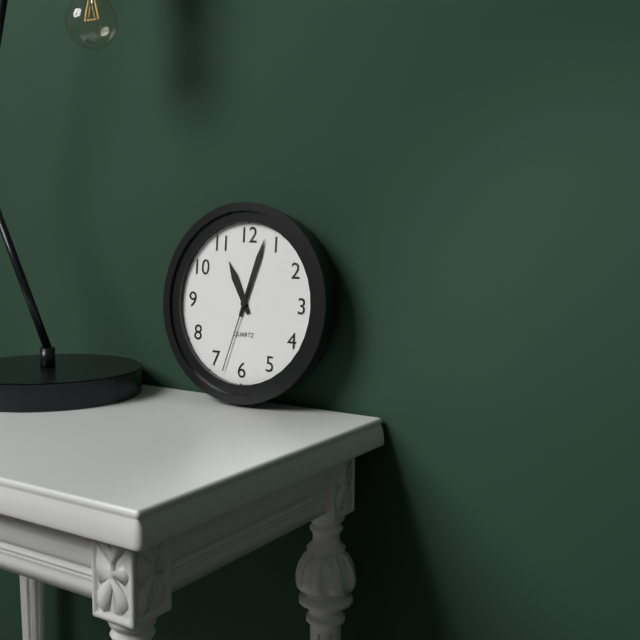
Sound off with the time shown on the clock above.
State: 11:03:33
